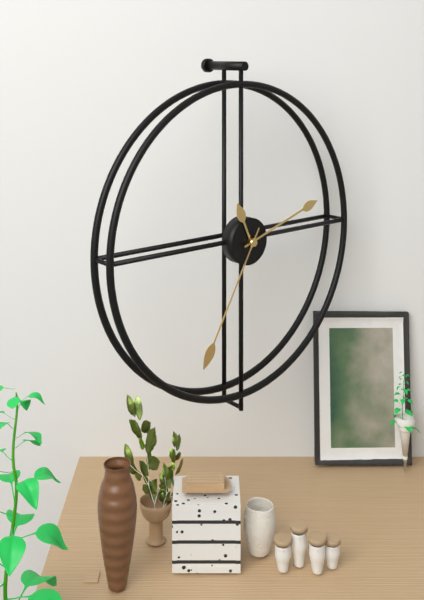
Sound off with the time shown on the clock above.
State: 11:12:35
